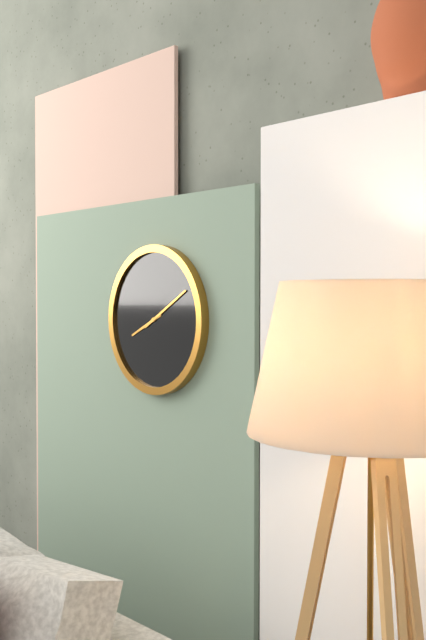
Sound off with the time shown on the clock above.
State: 8:10
